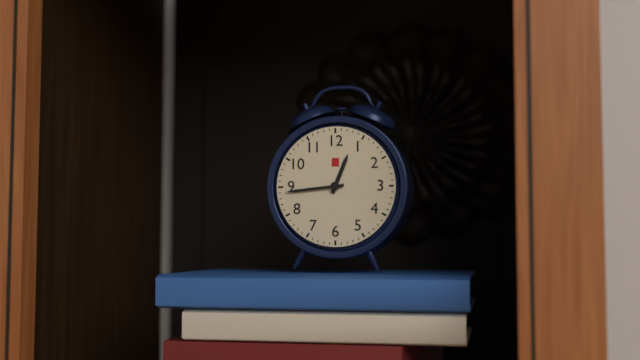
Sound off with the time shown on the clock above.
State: 12:44
